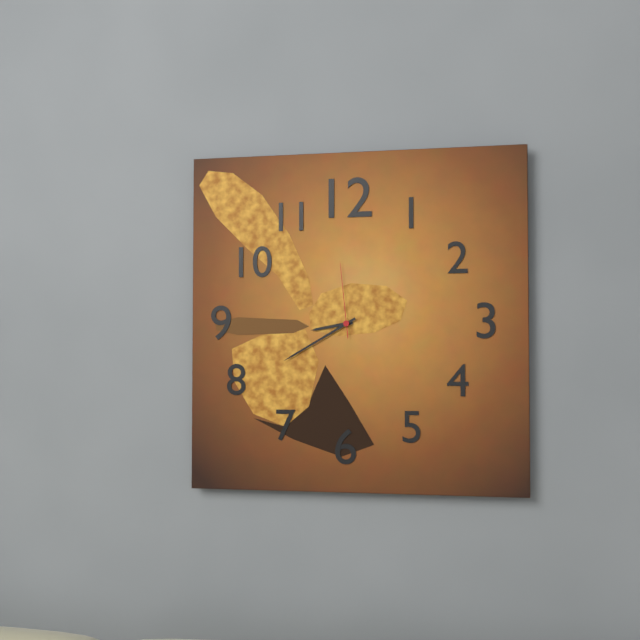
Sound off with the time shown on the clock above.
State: 8:40:59
